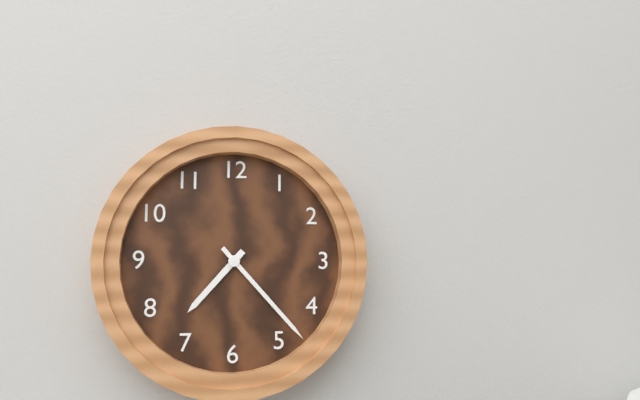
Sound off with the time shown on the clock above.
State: 7:23
